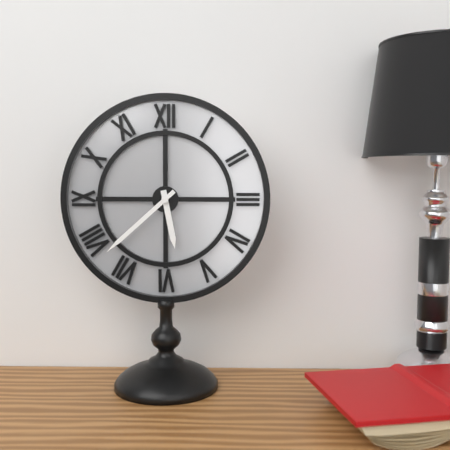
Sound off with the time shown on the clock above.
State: 5:38
